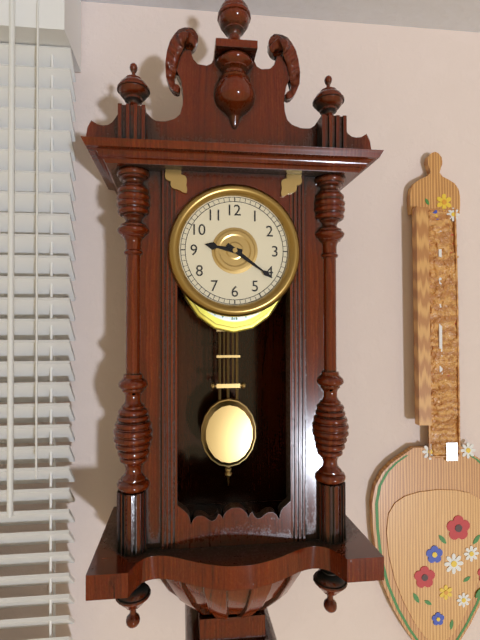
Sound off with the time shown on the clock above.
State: 9:21
